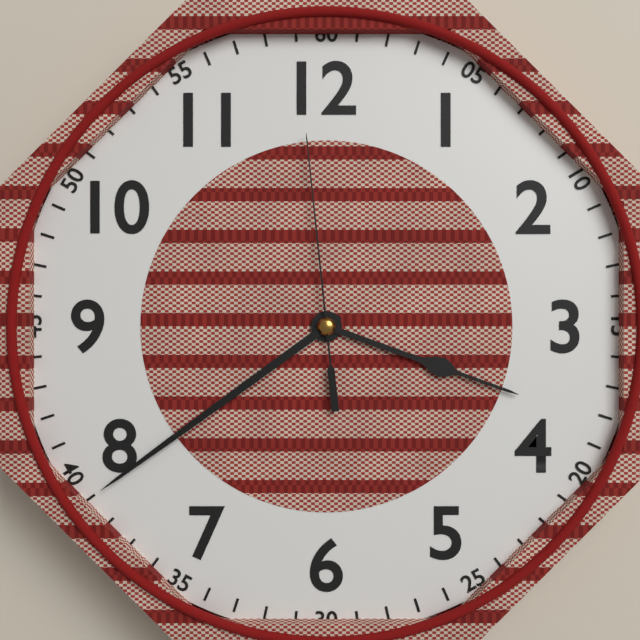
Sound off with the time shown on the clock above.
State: 3:39:59
